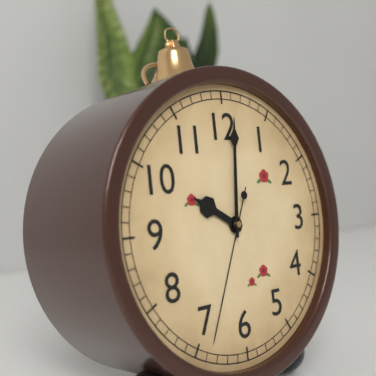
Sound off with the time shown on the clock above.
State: 10:01:34
